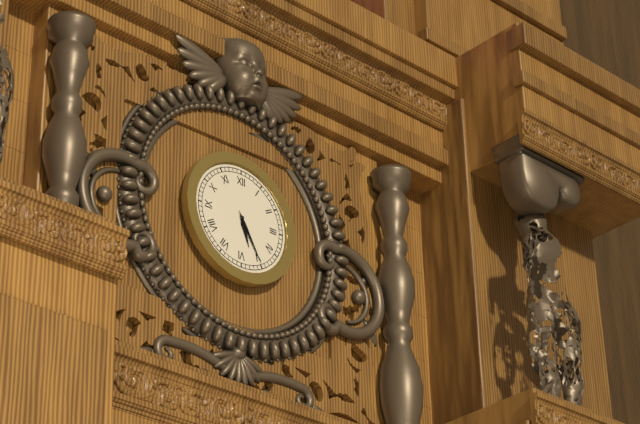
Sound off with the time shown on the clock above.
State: 5:25
